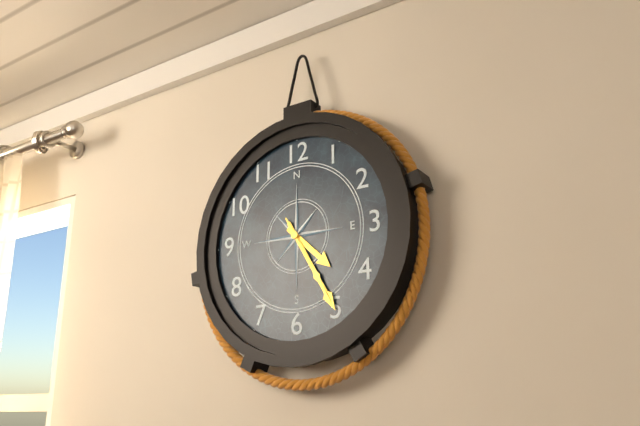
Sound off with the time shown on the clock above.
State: 4:25:25
